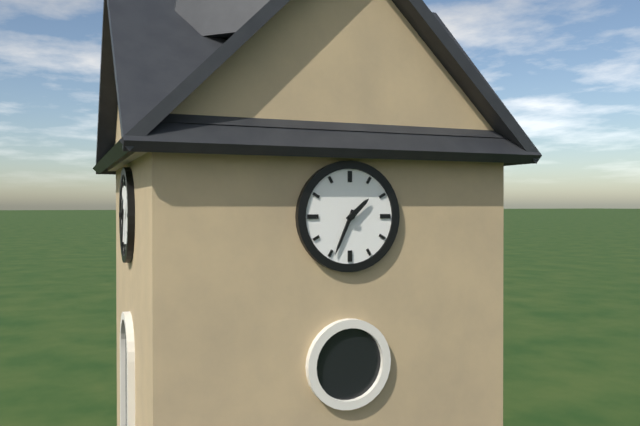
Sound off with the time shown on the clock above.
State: 1:34
